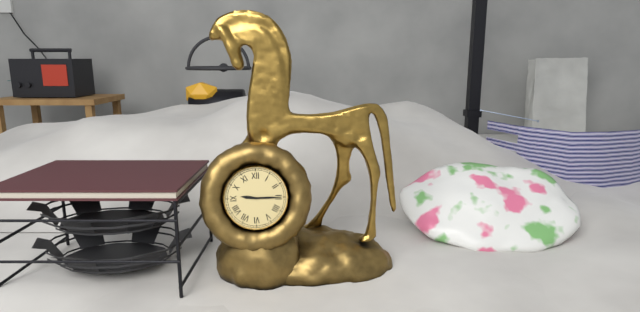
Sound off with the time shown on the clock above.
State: 9:15
